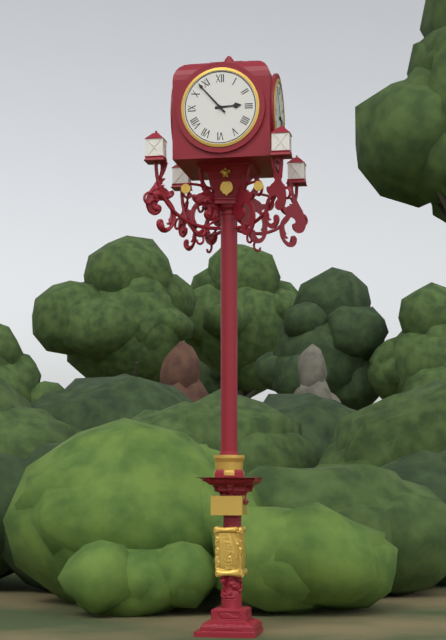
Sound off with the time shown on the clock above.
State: 2:53
